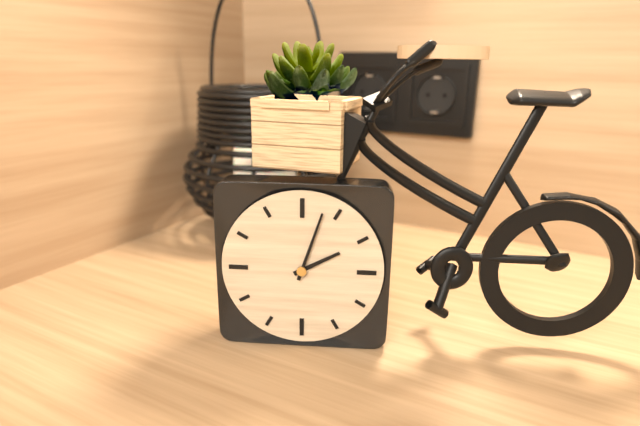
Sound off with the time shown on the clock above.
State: 2:03
